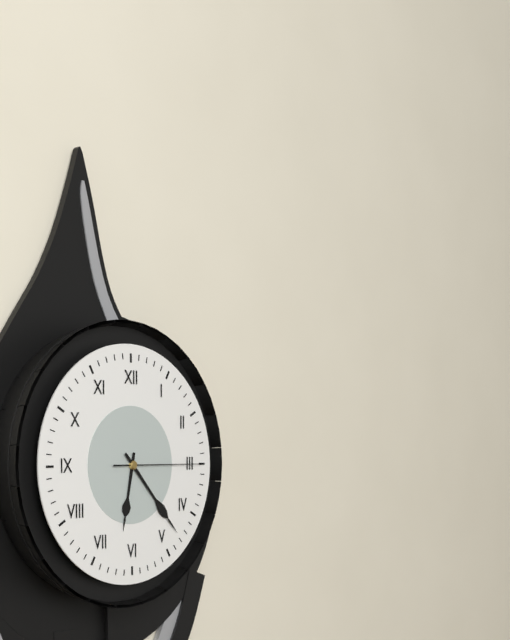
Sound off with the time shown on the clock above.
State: 6:23:15
